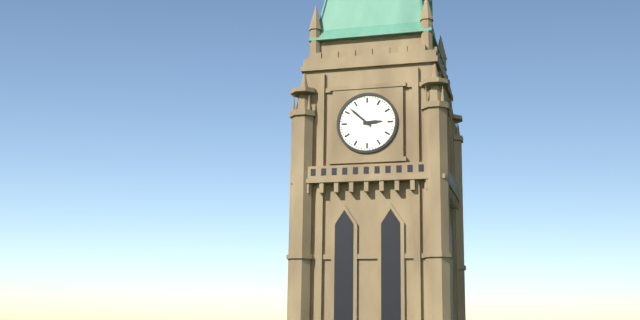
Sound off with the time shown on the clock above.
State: 2:52
